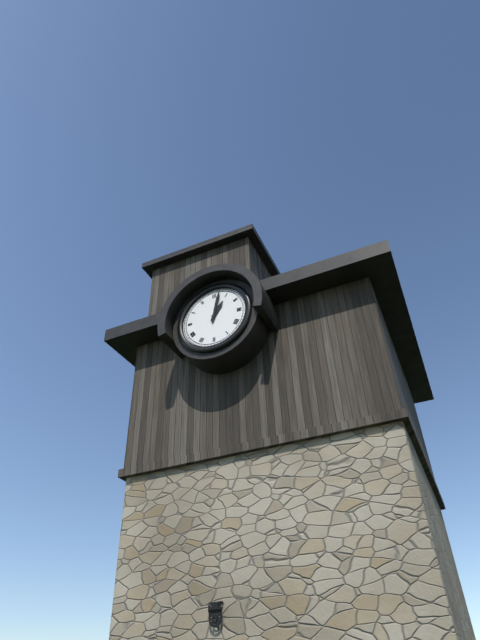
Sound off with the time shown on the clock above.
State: 1:02
